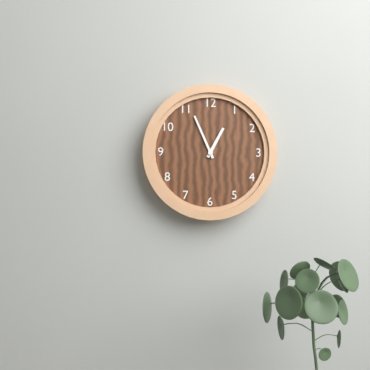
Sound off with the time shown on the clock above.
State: 12:56
